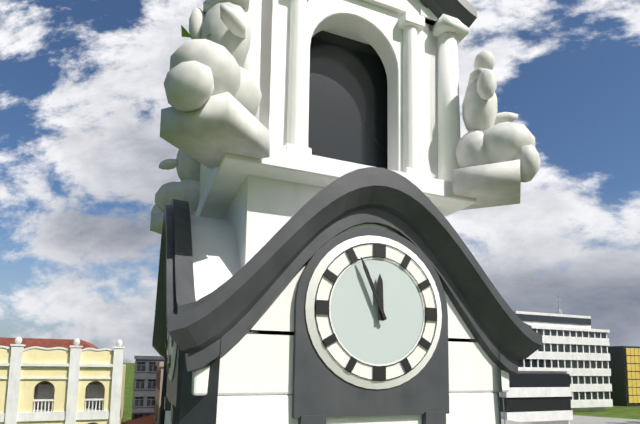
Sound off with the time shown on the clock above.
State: 11:56
